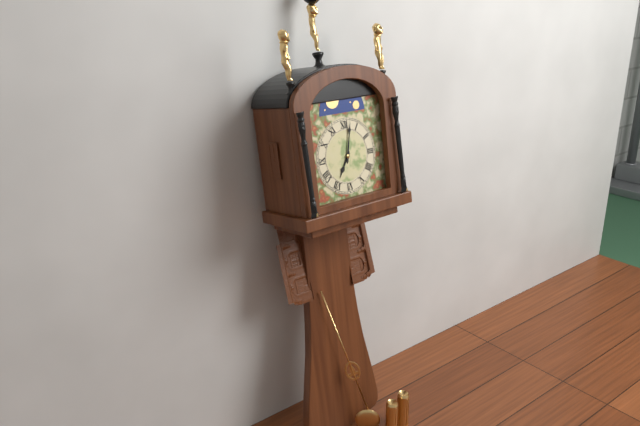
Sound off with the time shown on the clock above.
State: 7:02
